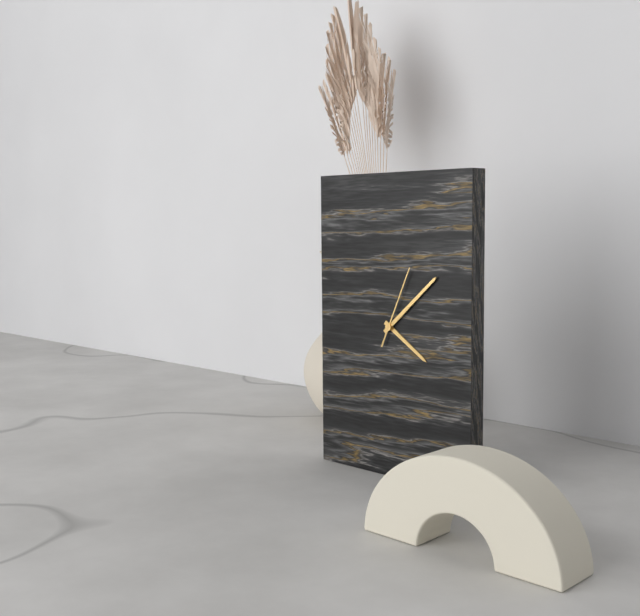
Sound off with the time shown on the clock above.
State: 4:08:04
